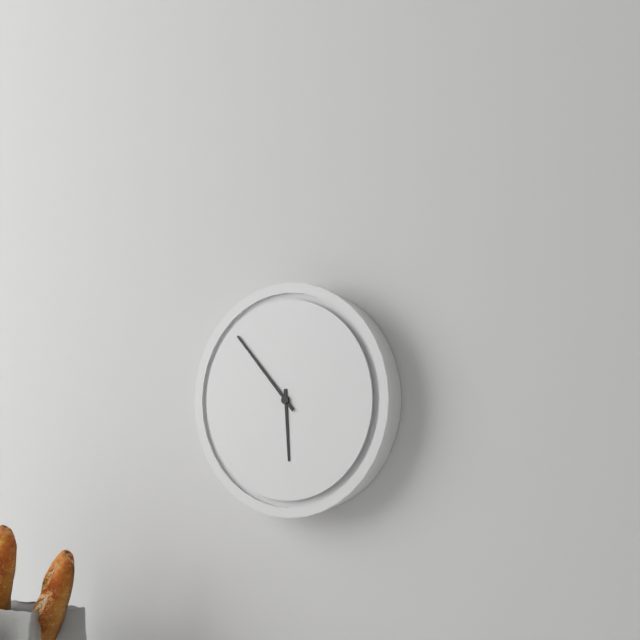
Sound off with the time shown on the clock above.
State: 5:53
